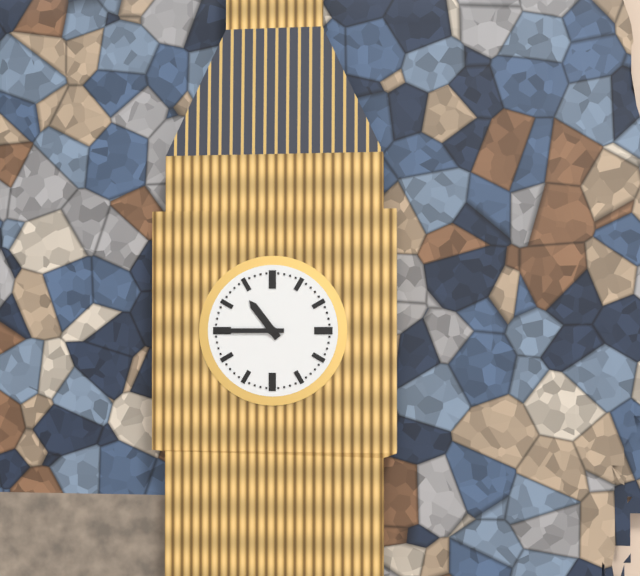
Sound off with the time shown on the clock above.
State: 10:45
